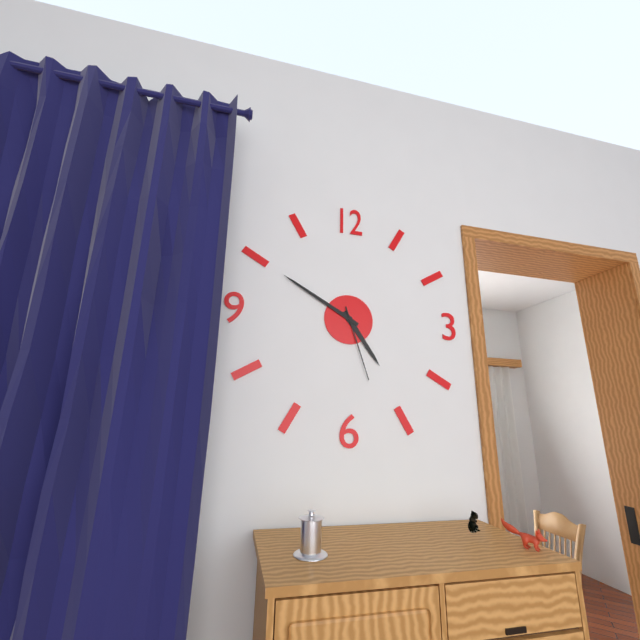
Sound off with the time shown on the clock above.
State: 4:50:27
